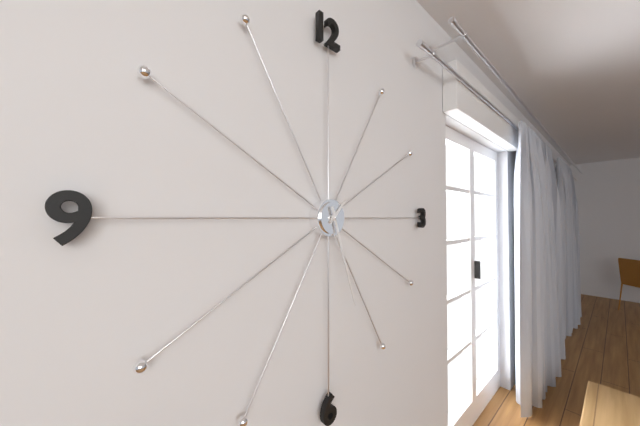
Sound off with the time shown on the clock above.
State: 1:27
